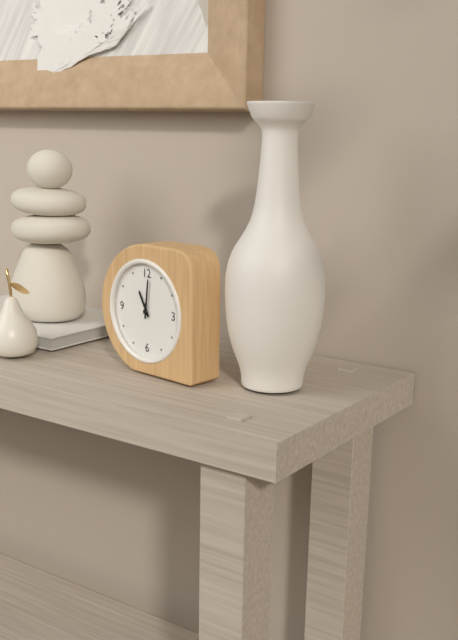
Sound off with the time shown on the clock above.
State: 11:01
